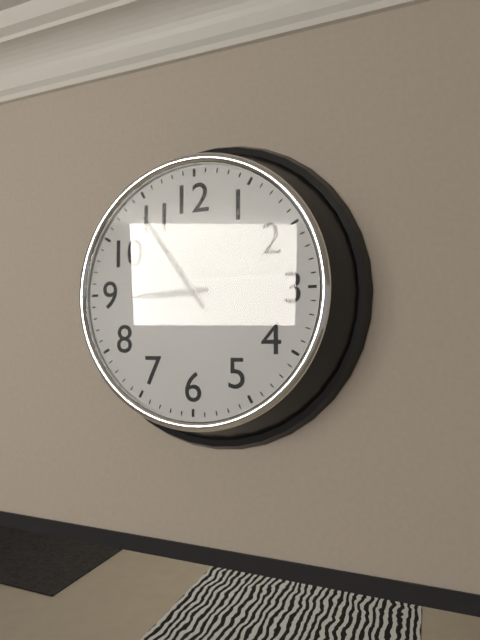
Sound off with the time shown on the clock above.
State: 8:54
